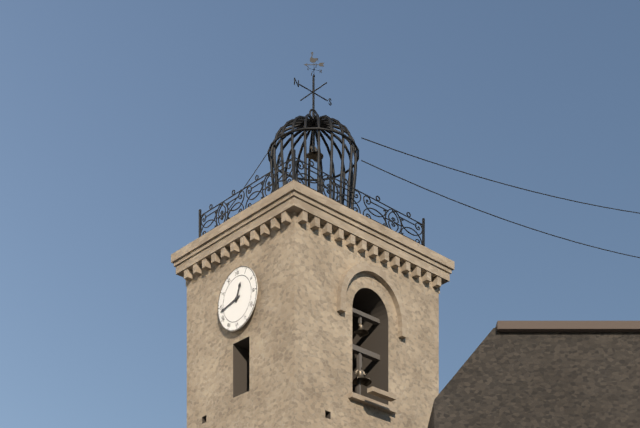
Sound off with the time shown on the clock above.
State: 12:43
